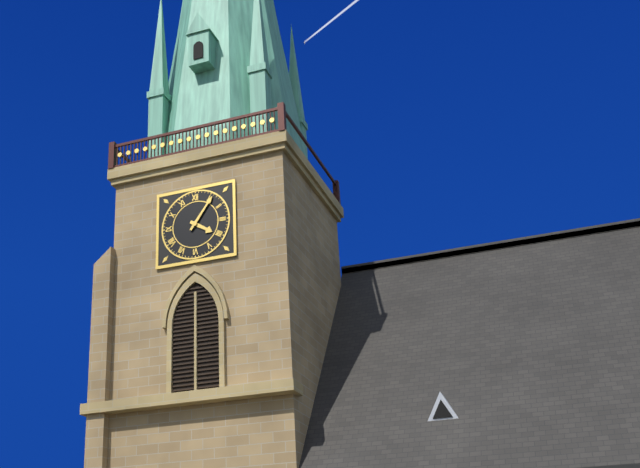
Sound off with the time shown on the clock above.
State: 4:06
